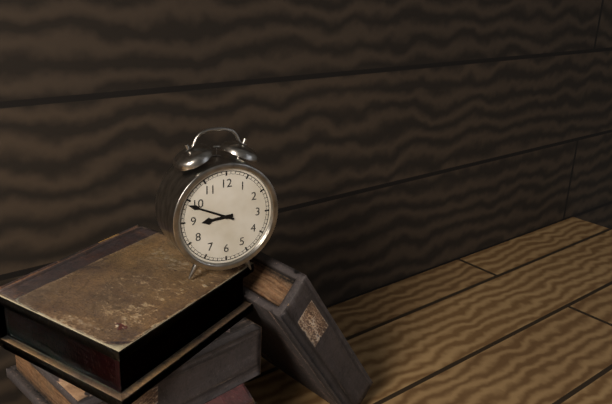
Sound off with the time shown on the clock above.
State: 8:49
